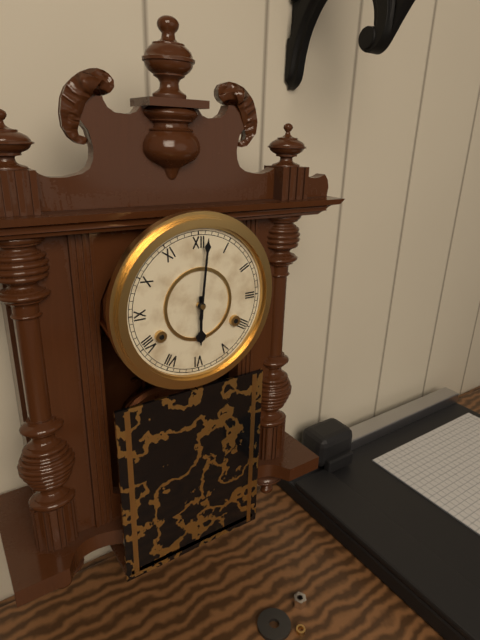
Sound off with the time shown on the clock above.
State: 6:01
